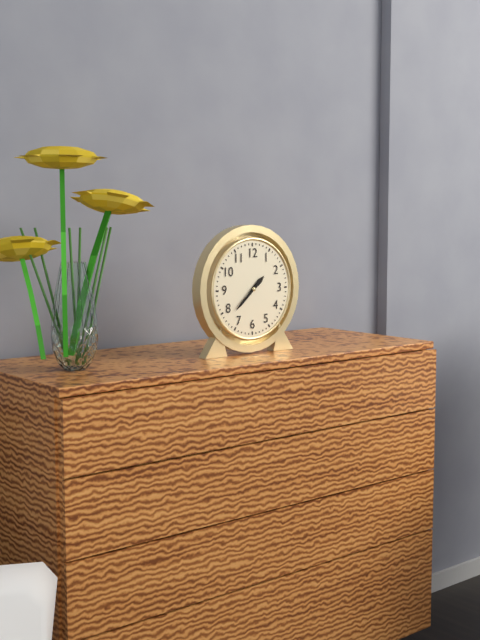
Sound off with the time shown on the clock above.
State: 1:38
